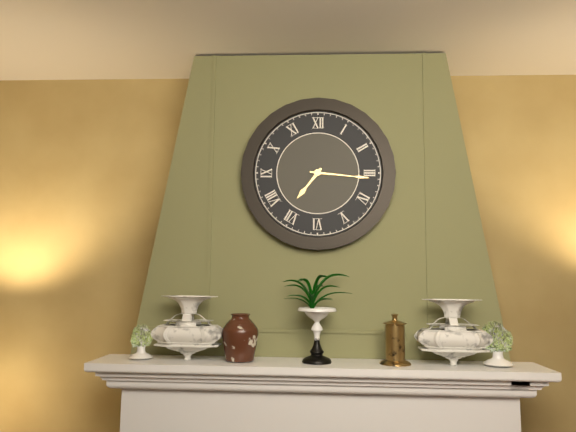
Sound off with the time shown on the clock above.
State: 7:16
